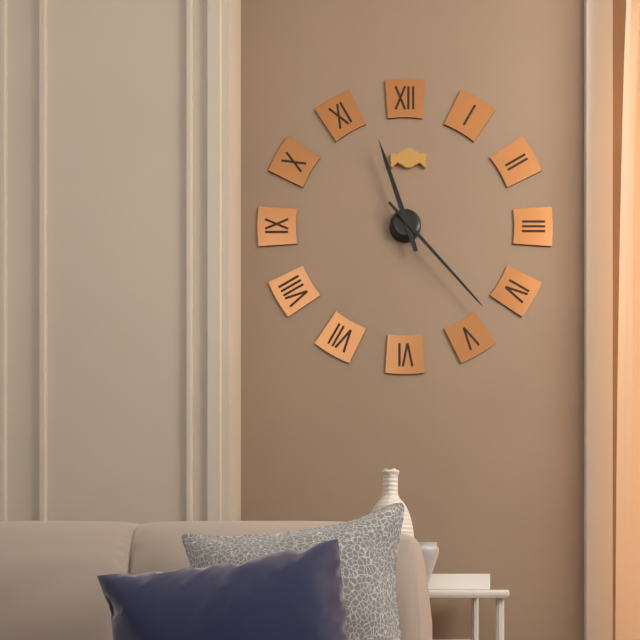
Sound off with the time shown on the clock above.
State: 11:23
